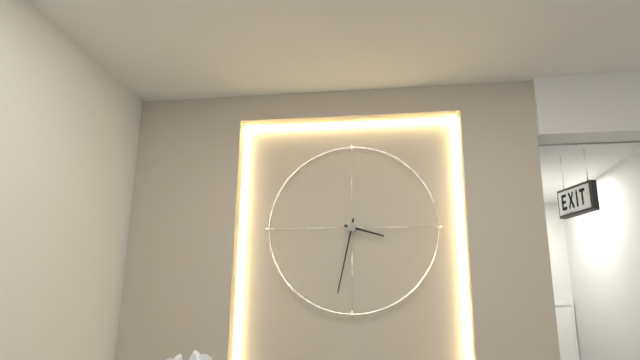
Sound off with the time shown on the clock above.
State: 3:32
